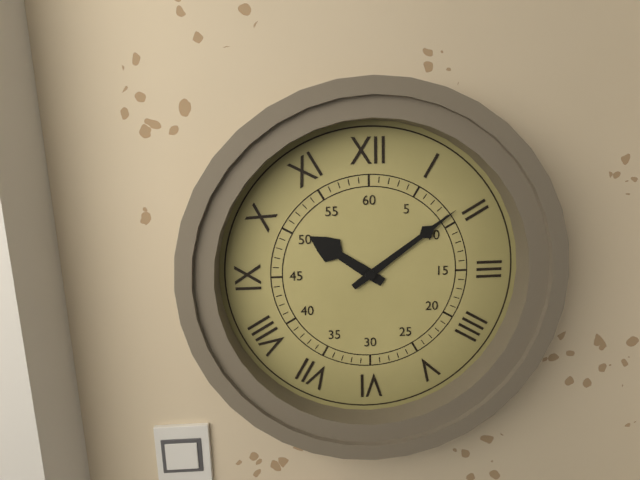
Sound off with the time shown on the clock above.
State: 10:09
